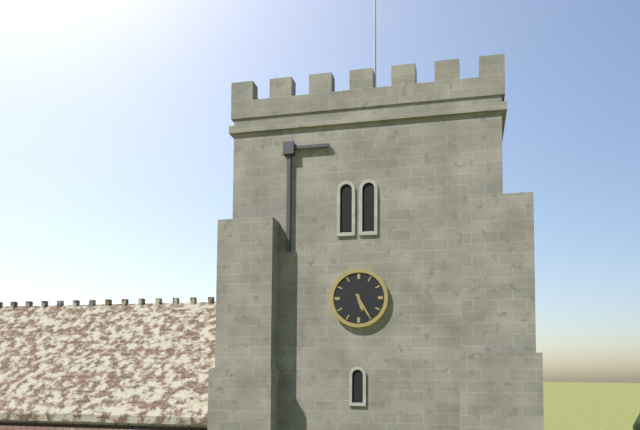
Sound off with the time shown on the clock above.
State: 5:25
